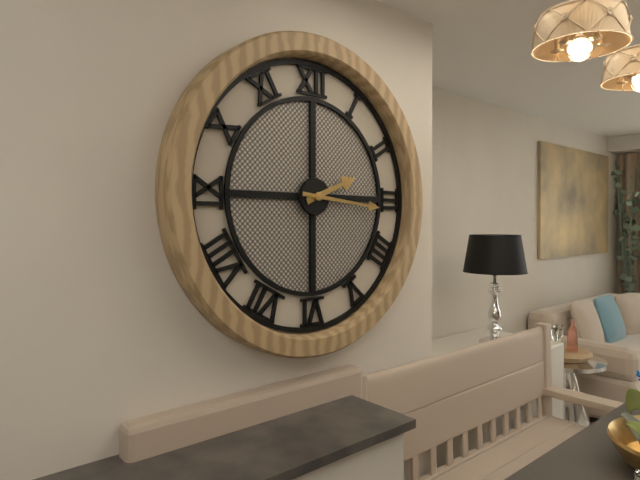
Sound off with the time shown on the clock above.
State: 2:16
